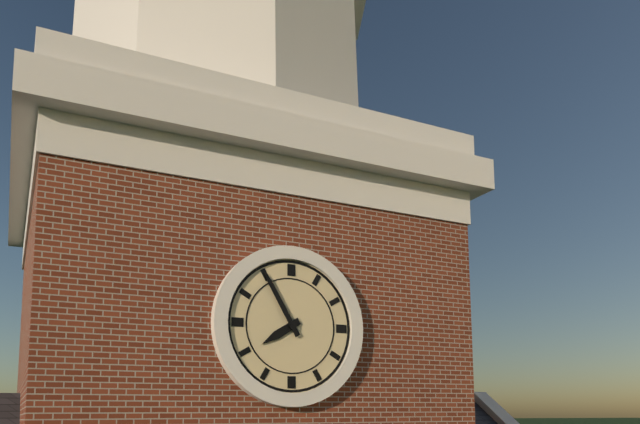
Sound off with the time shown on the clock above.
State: 7:55
